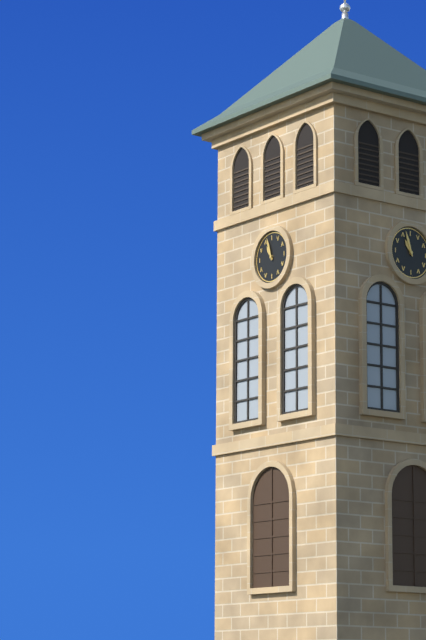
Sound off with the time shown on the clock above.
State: 10:57
